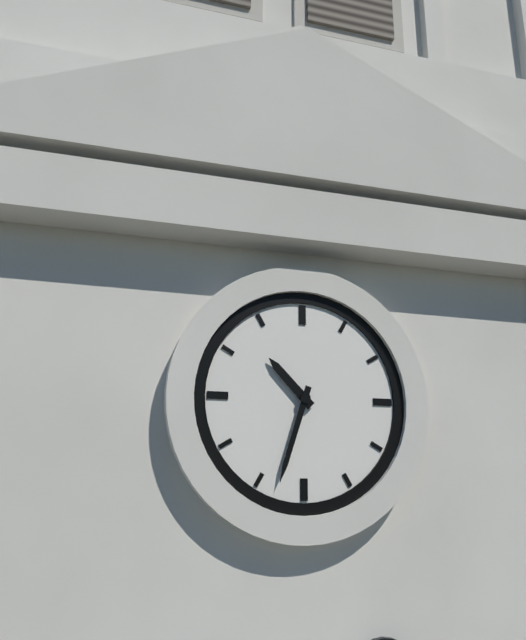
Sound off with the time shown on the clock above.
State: 10:33
